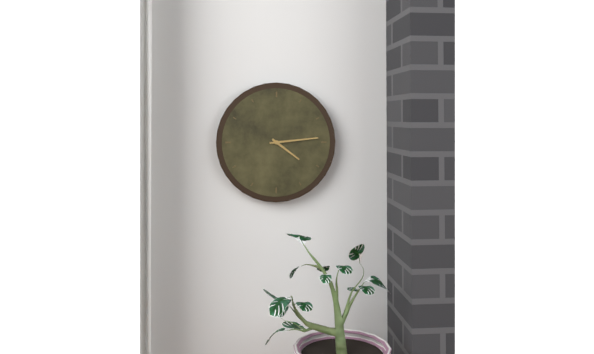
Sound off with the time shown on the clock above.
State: 4:14
